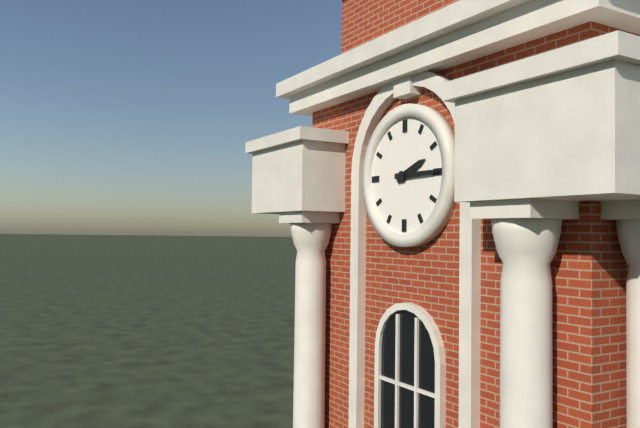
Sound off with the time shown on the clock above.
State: 2:15
